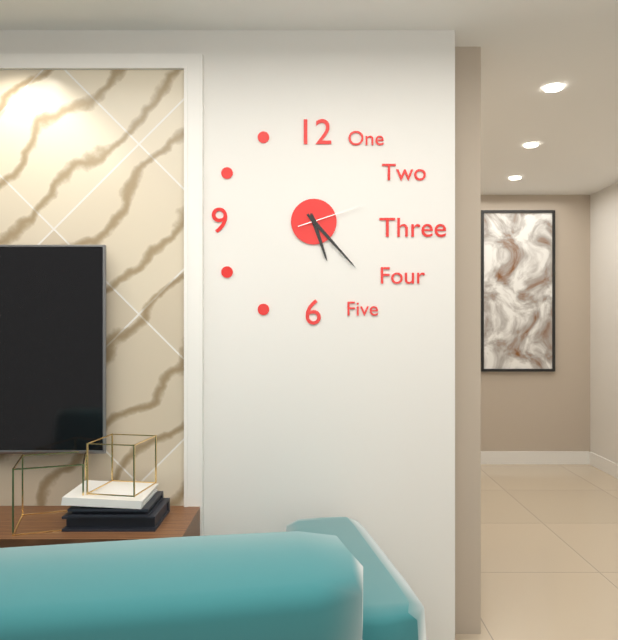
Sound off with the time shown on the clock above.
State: 5:23:12
